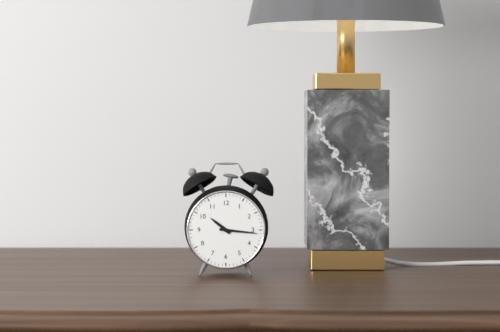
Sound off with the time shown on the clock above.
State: 10:16
